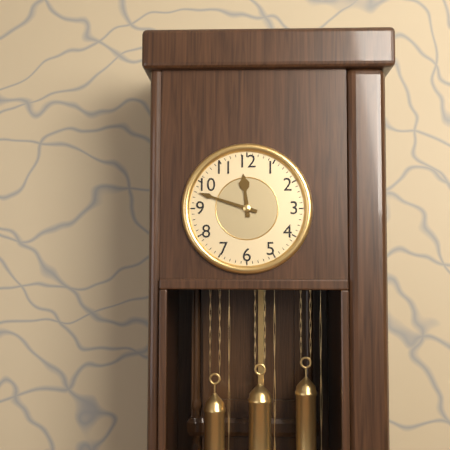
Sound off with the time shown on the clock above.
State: 11:48
